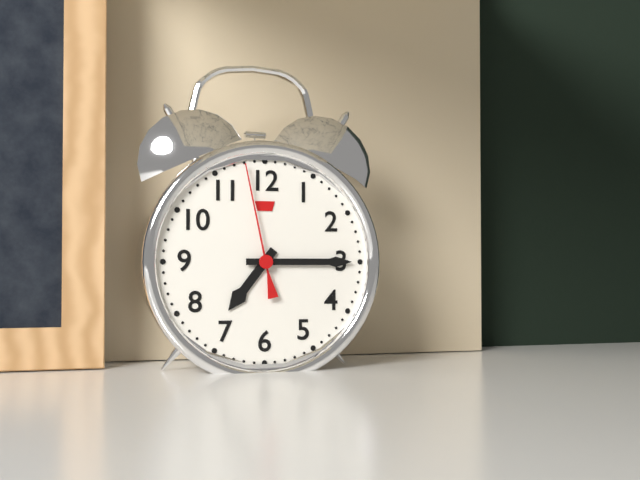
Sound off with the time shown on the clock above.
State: 7:15:58
